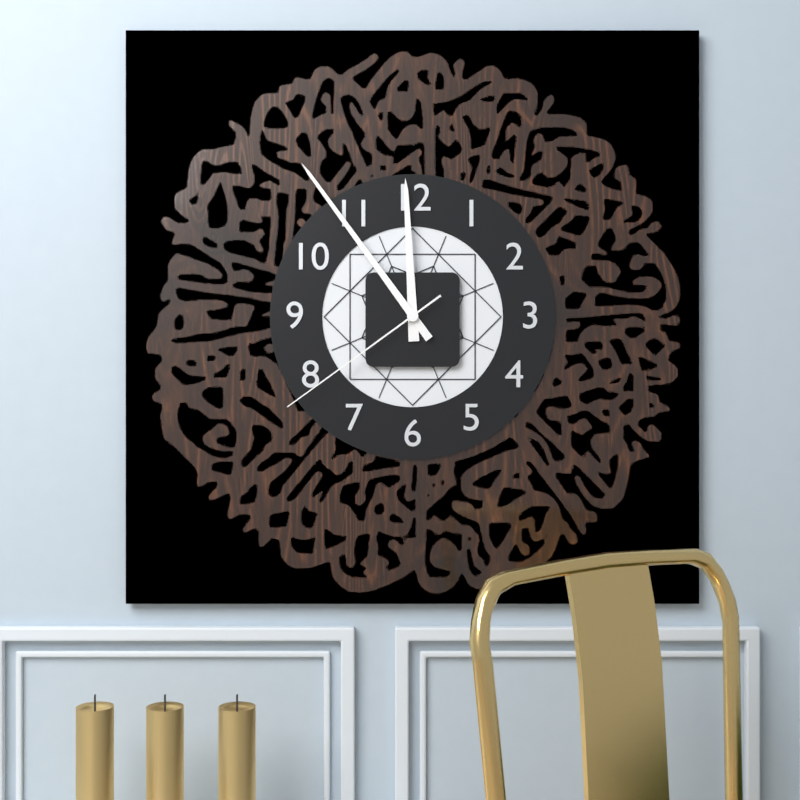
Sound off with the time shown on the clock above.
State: 11:54:39
